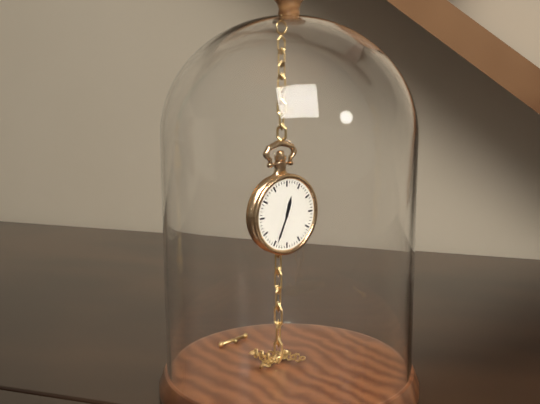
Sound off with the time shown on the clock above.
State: 12:34
